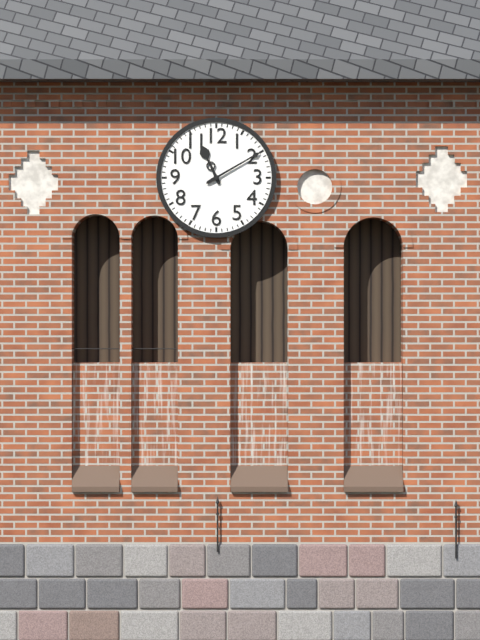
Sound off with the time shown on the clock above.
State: 11:10
